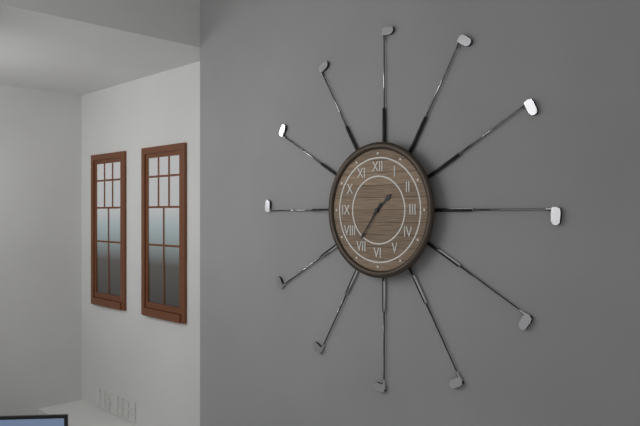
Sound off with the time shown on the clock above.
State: 1:36
